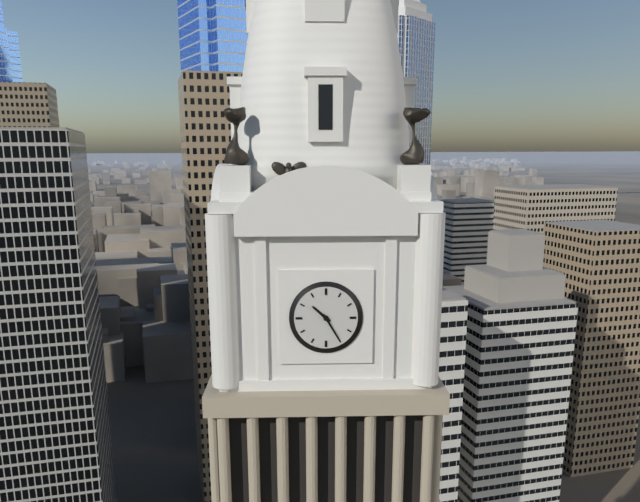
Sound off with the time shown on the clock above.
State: 10:25
